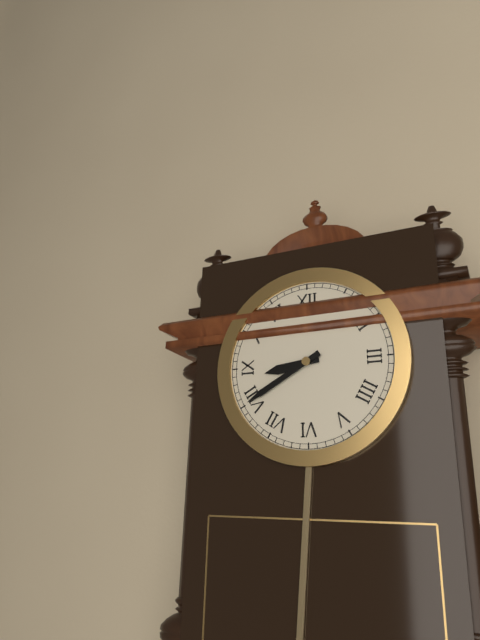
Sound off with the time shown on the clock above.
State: 8:40
